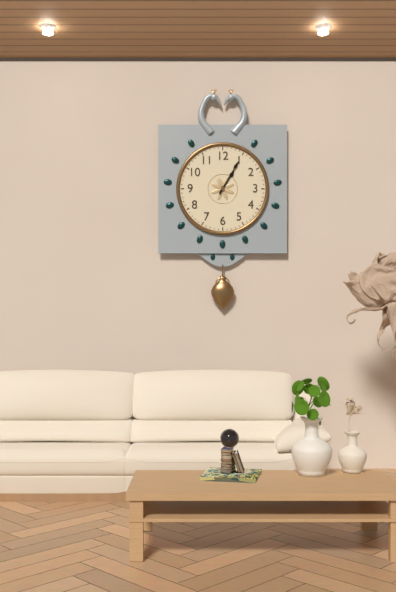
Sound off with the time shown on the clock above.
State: 1:05
